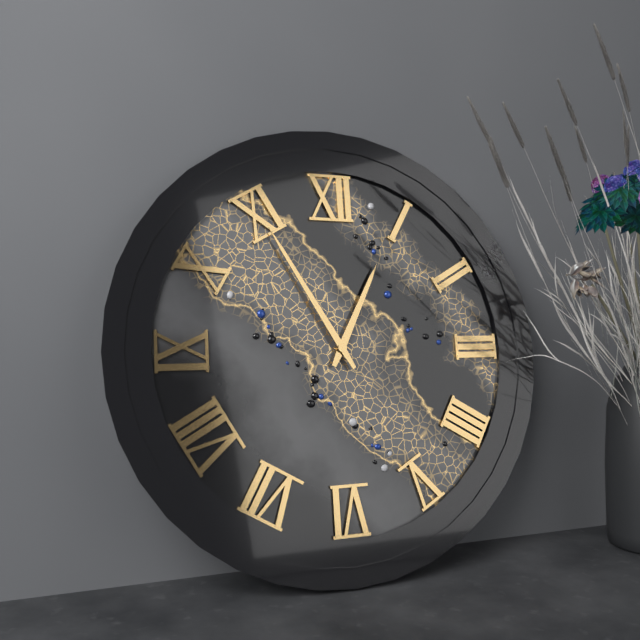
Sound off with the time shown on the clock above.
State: 12:55
